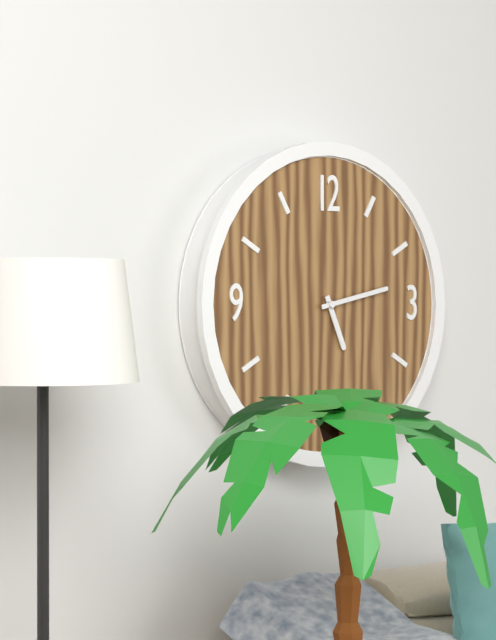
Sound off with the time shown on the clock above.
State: 5:13
